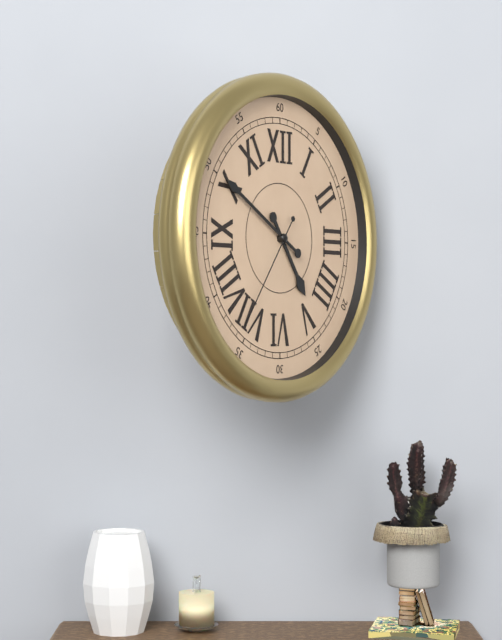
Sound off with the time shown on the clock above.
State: 4:50:36
